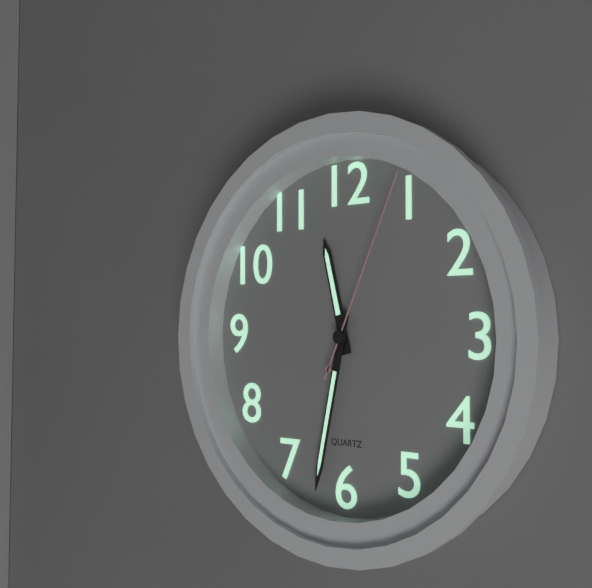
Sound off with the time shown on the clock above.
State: 11:32:04
